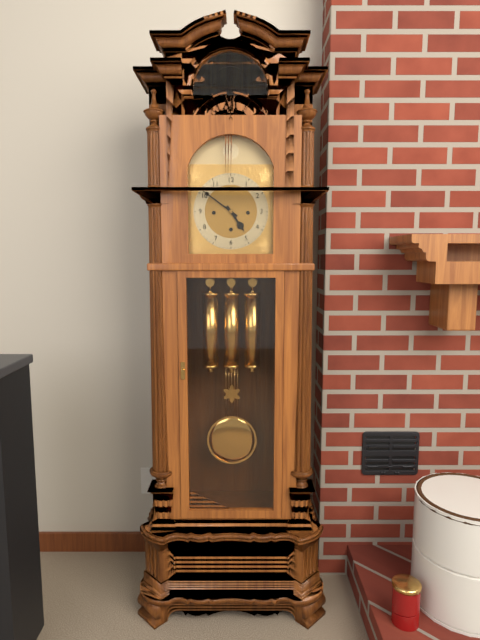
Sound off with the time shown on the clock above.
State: 4:51
